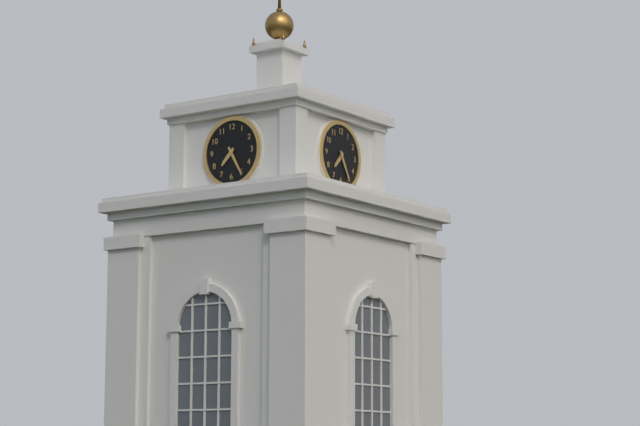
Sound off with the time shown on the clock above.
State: 7:25
